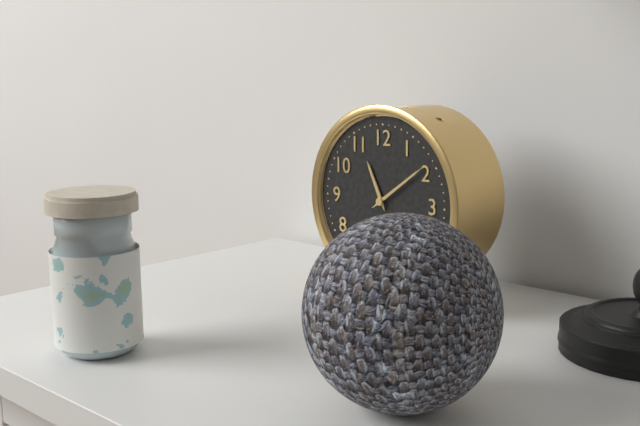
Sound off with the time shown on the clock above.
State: 11:09
